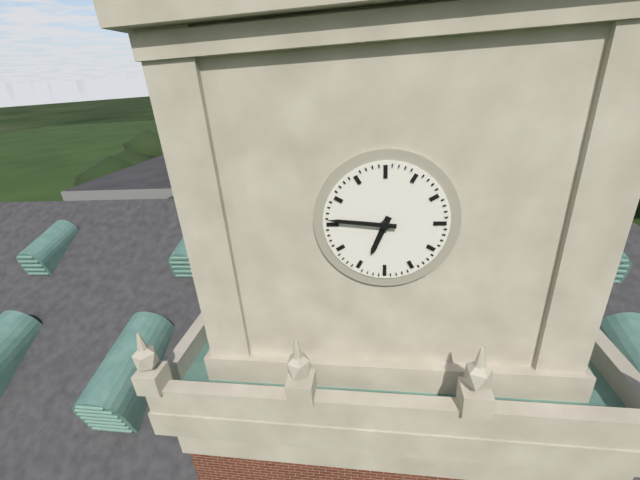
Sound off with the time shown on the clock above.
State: 6:46
